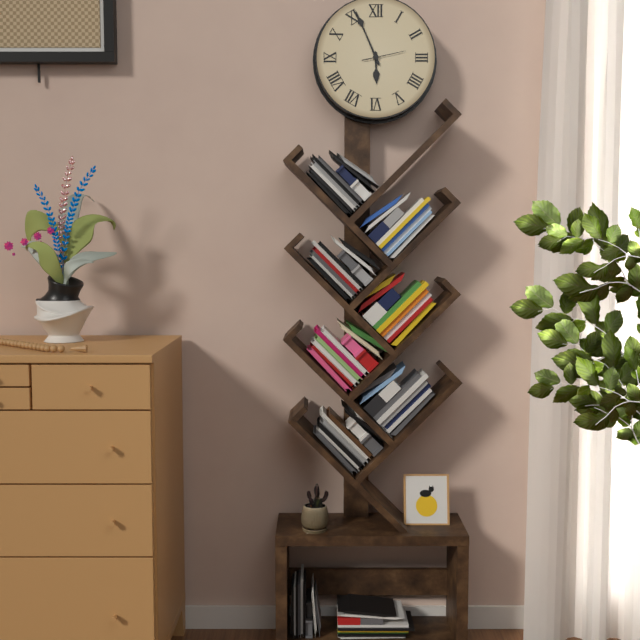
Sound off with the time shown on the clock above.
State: 5:56
